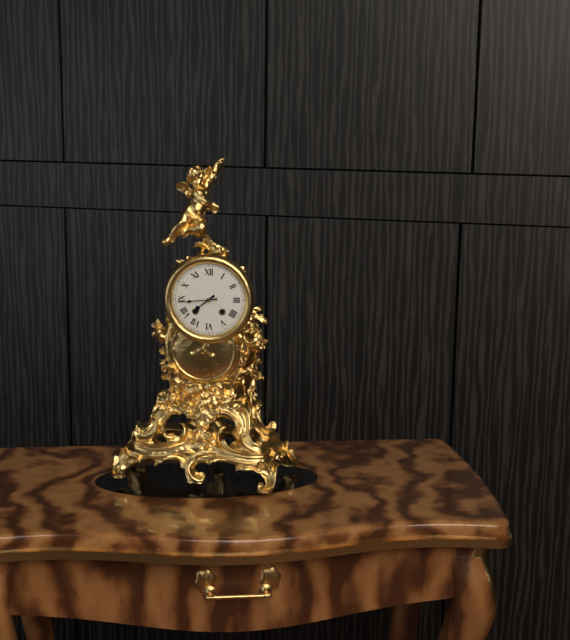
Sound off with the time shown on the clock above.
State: 7:44
